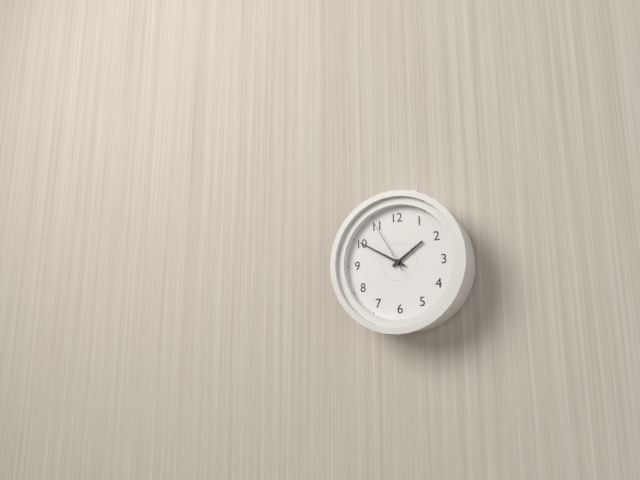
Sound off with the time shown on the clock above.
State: 1:50:55
